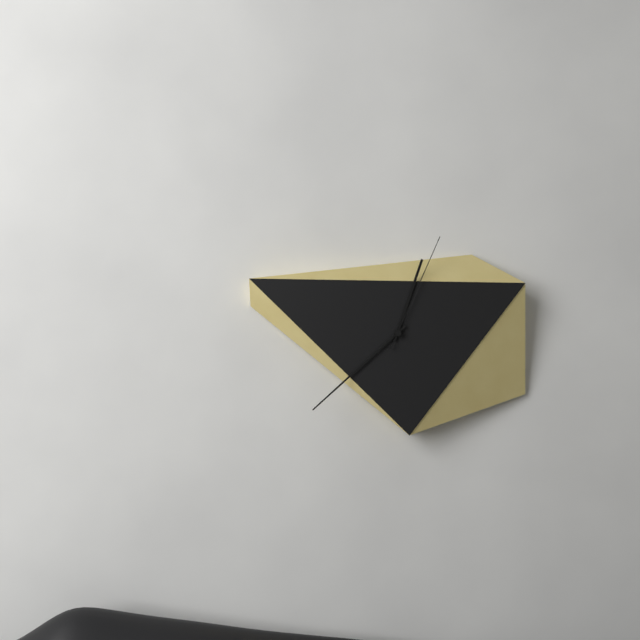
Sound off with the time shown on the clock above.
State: 12:38:04
